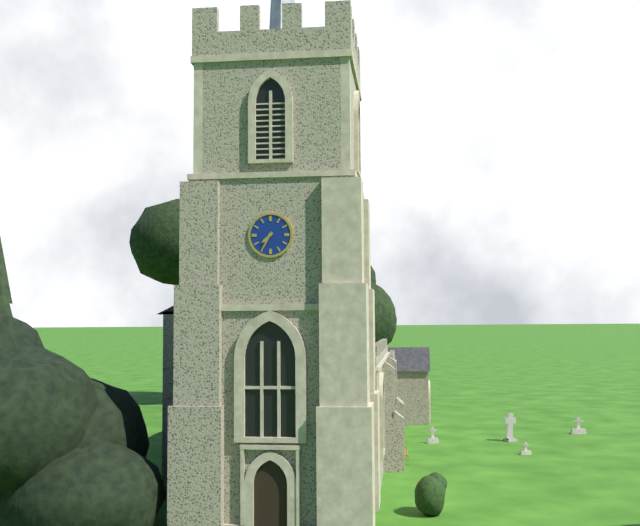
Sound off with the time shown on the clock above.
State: 7:35
